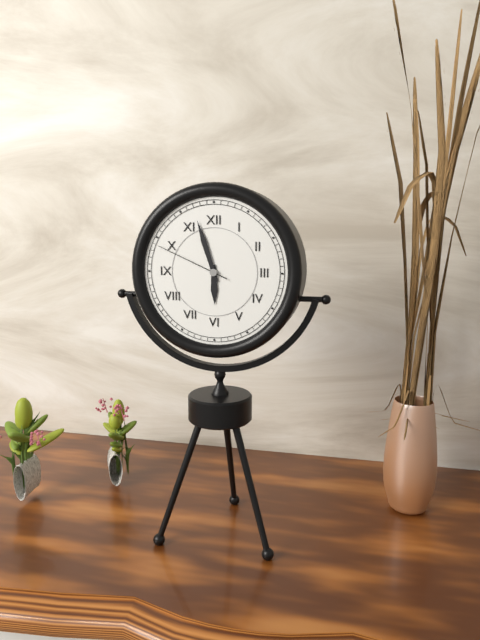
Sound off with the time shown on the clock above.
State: 5:57:49
